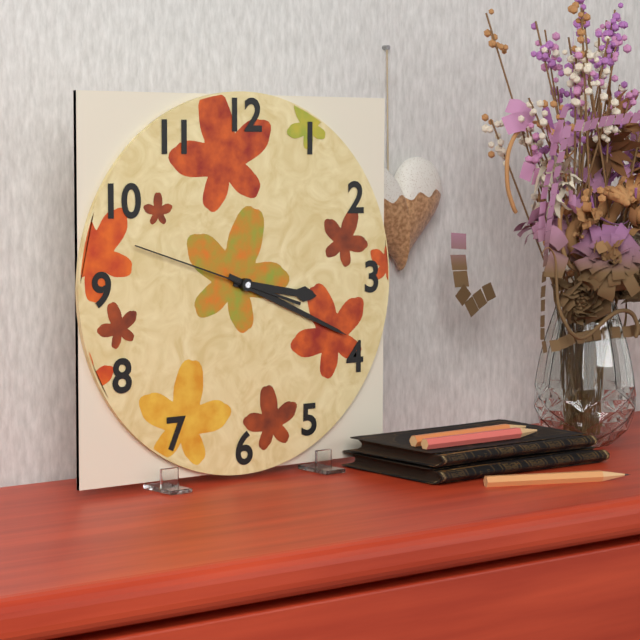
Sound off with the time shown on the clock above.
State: 3:19:48
